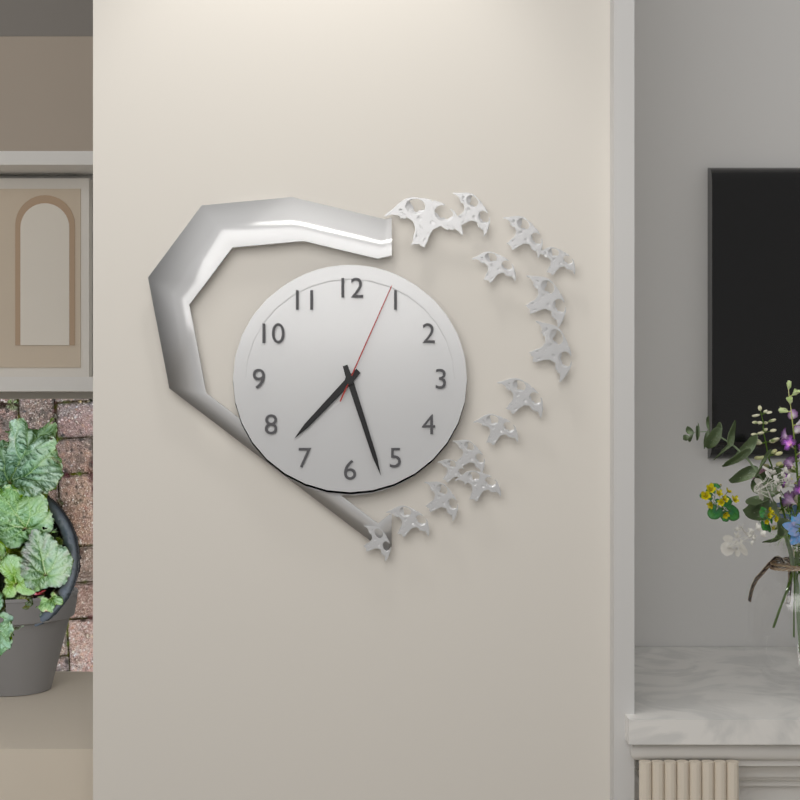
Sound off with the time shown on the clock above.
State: 7:27:04
